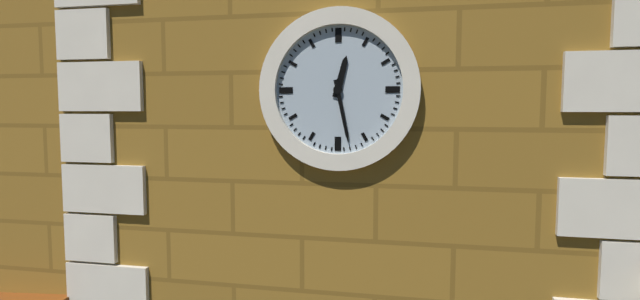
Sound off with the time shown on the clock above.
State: 12:28
